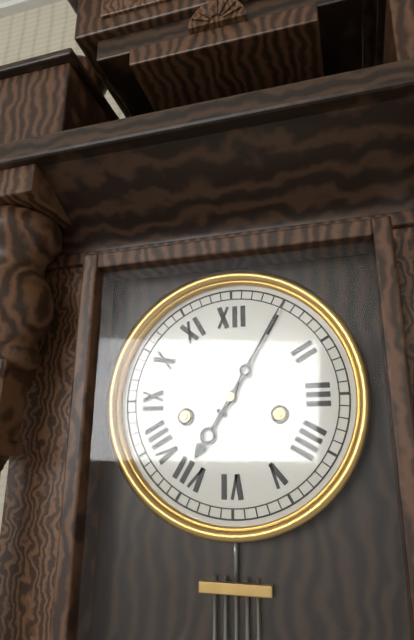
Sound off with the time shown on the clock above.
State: 7:05
